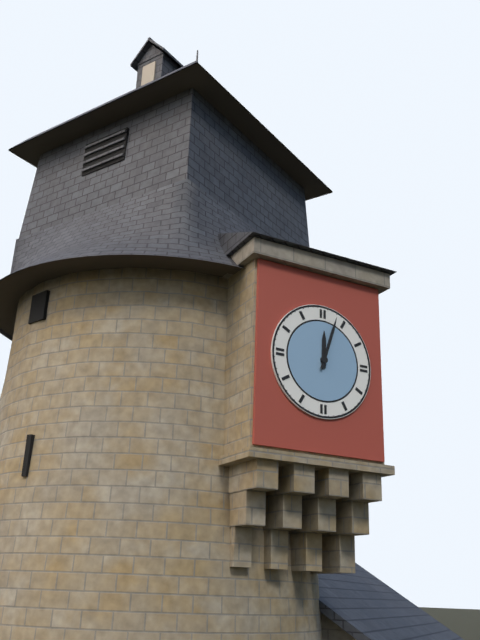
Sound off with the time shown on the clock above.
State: 12:03
